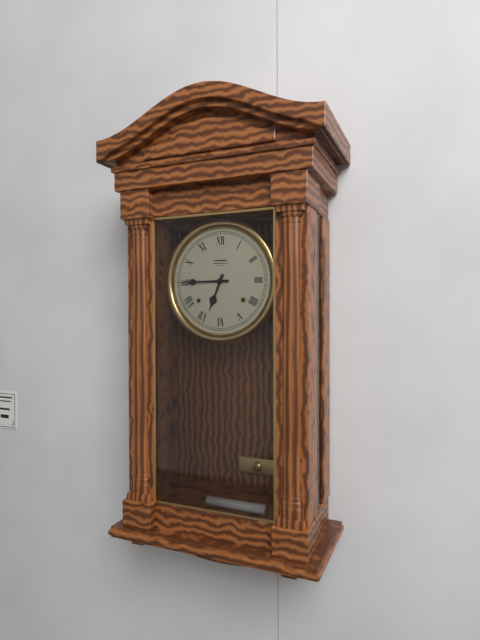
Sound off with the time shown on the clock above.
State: 6:45
